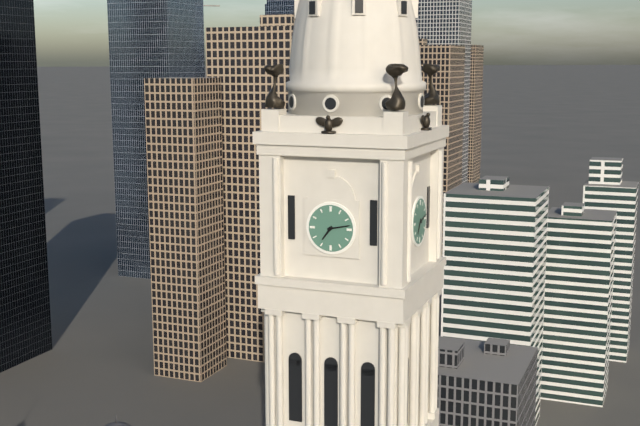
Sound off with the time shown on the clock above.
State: 7:13
